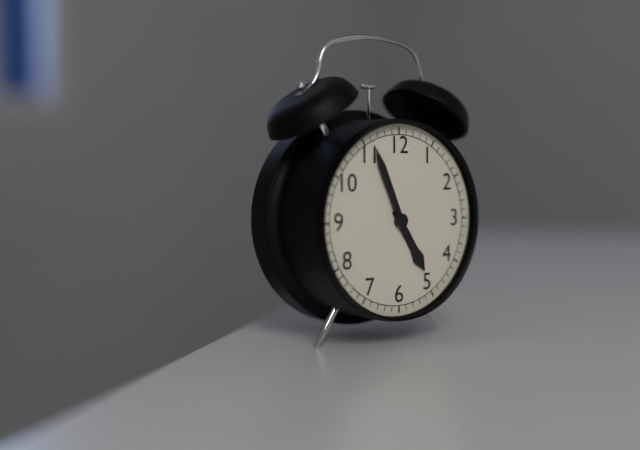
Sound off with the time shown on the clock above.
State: 4:56
